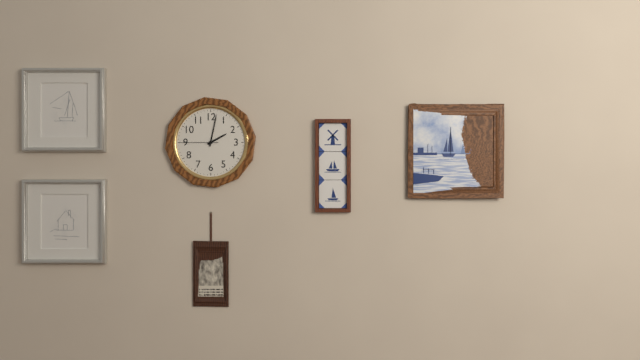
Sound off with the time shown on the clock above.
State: 2:02
